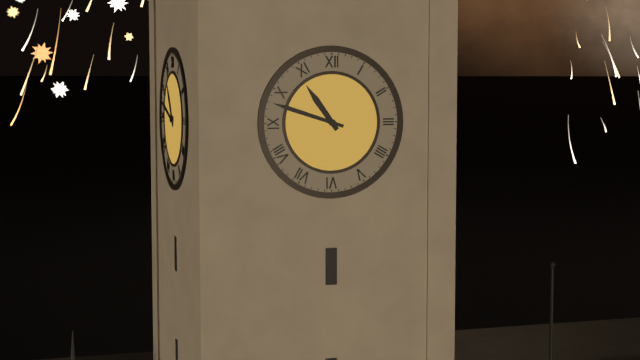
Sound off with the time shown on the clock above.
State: 10:48
